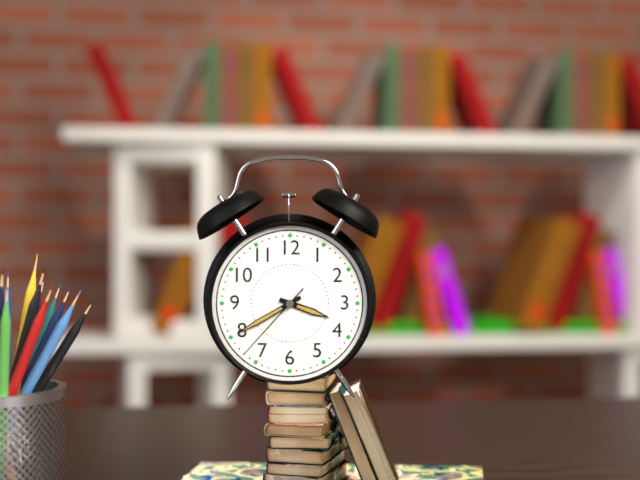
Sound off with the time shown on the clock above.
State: 3:40:37
